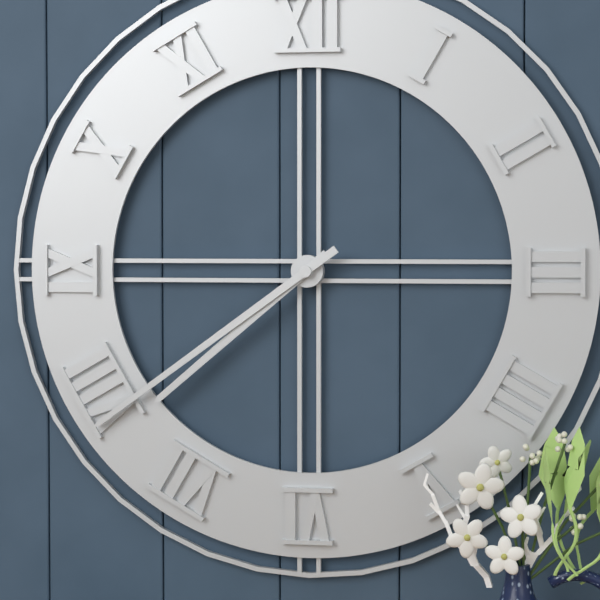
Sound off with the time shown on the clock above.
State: 7:39
